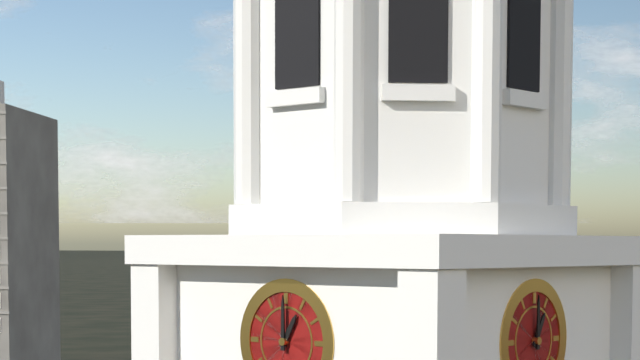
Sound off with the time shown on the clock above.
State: 1:00
